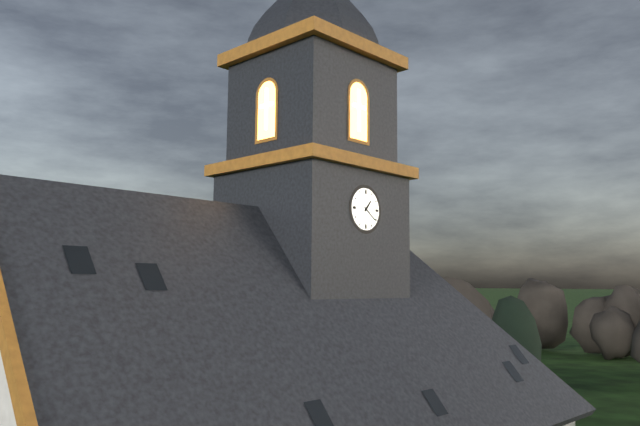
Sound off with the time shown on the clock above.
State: 1:21
